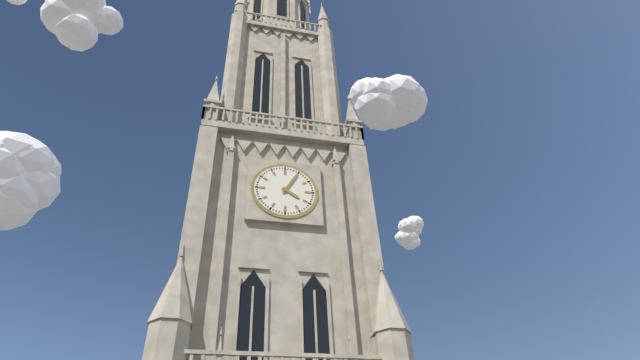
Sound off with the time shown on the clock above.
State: 4:05
